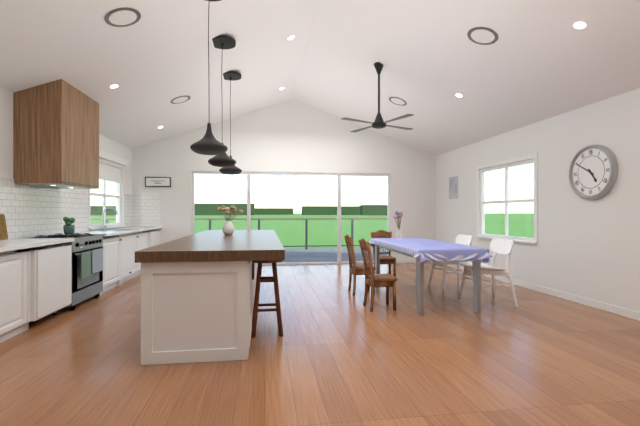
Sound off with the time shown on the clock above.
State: 4:50
